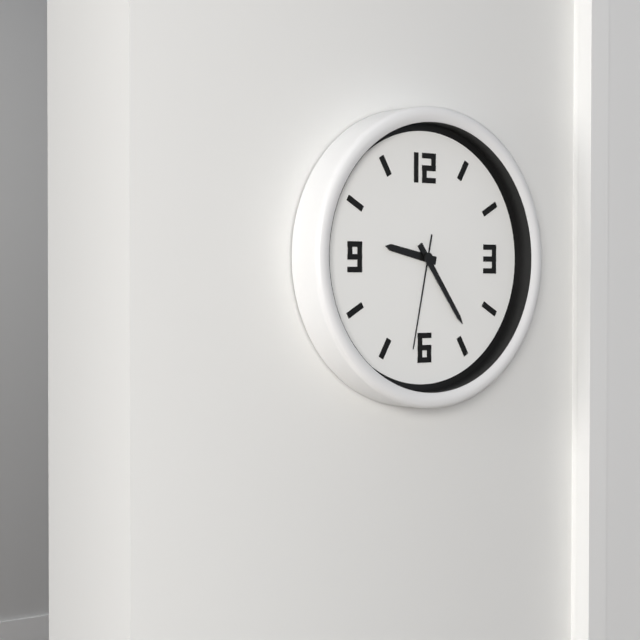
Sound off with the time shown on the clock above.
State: 9:24:32
